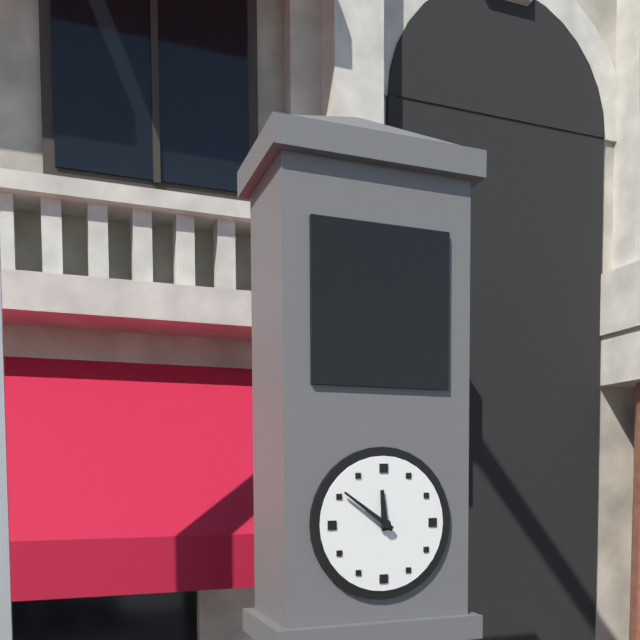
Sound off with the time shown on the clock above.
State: 11:51
